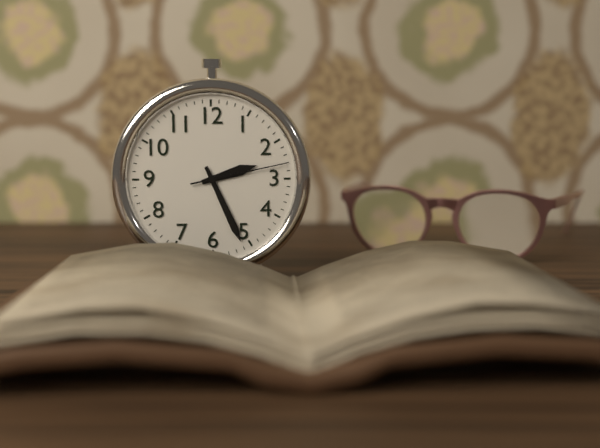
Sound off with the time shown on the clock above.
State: 2:26:13
